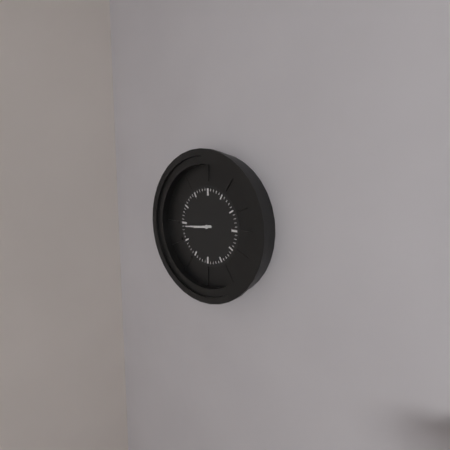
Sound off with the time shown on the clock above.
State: 8:44
